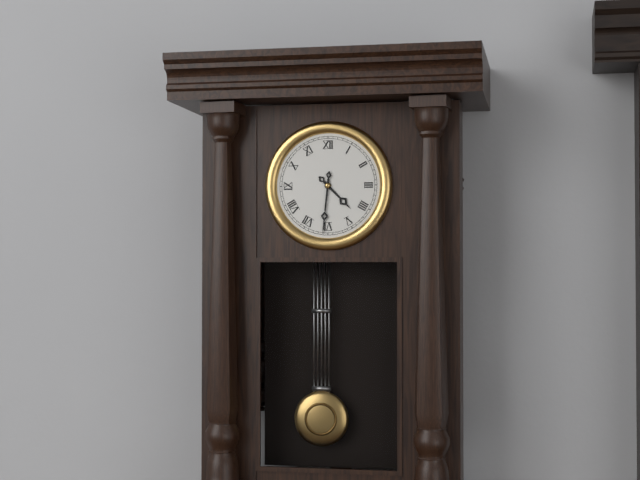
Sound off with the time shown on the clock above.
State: 4:31
